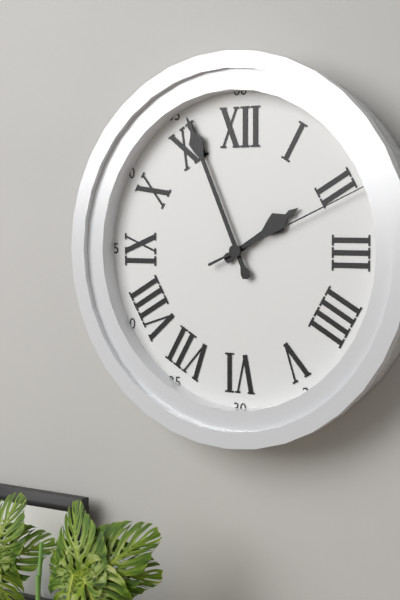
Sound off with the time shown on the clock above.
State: 1:56:11
